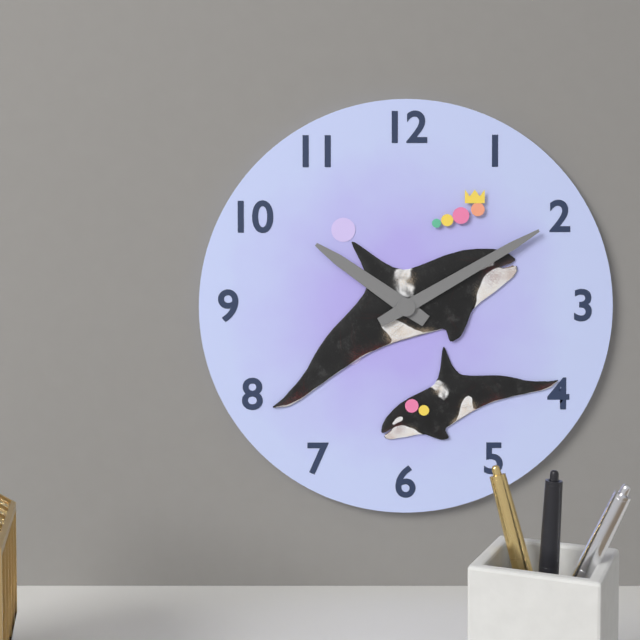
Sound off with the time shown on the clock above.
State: 10:10
